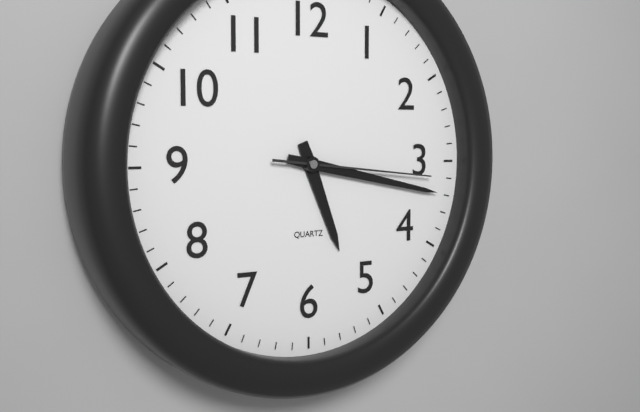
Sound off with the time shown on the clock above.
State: 5:17:16
